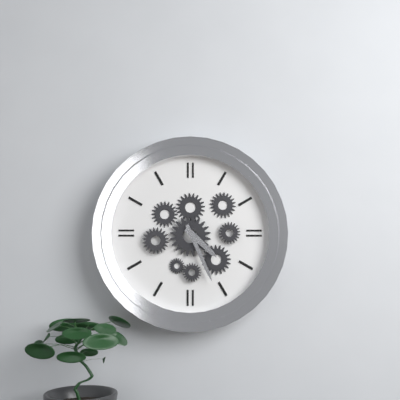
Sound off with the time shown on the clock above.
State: 4:26
